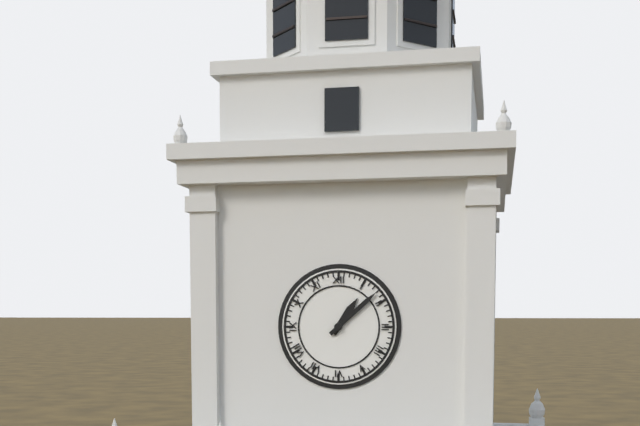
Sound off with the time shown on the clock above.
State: 1:08
